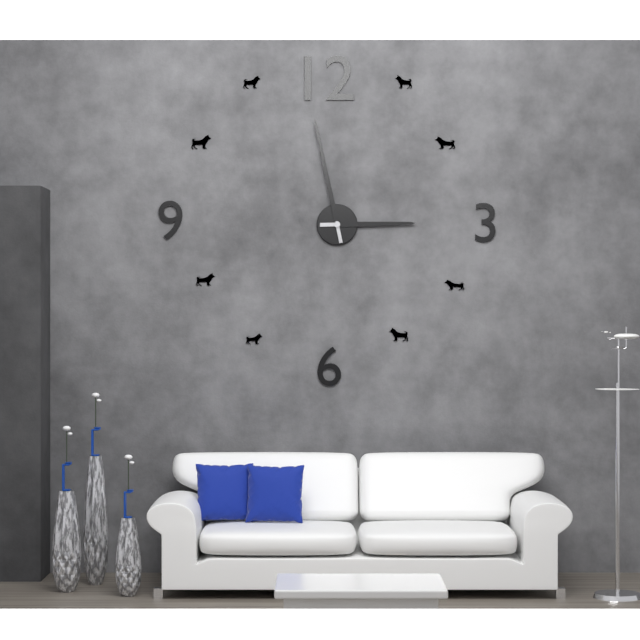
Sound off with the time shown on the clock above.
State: 2:58
